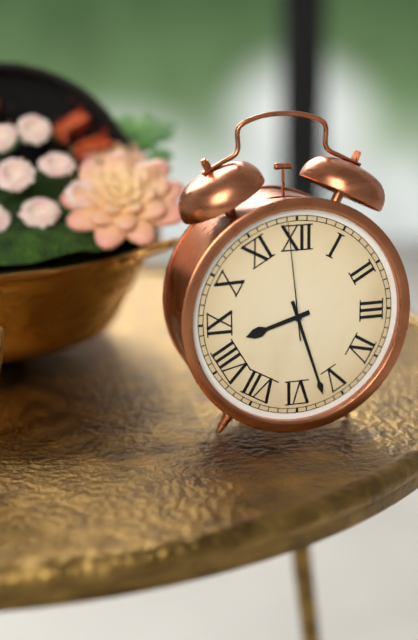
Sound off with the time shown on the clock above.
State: 8:27:59
